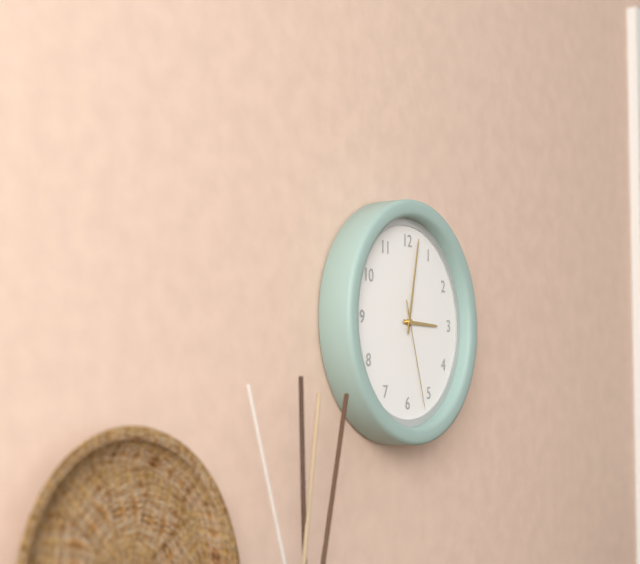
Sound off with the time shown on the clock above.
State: 3:02:27
